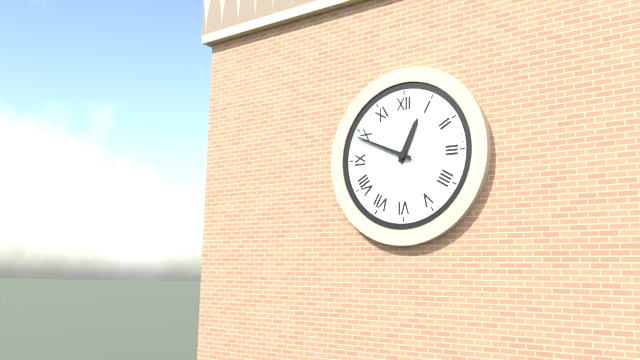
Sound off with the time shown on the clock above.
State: 12:49
